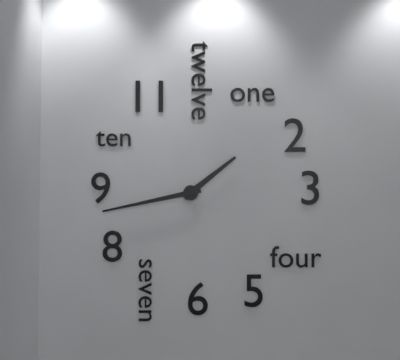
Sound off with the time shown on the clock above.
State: 1:43
